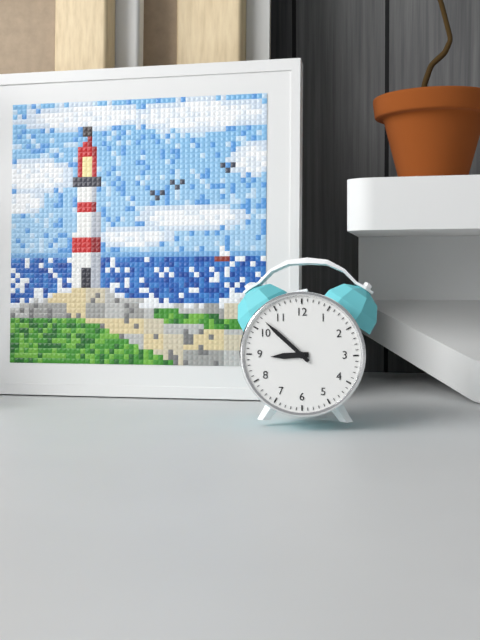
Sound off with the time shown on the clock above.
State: 8:52
